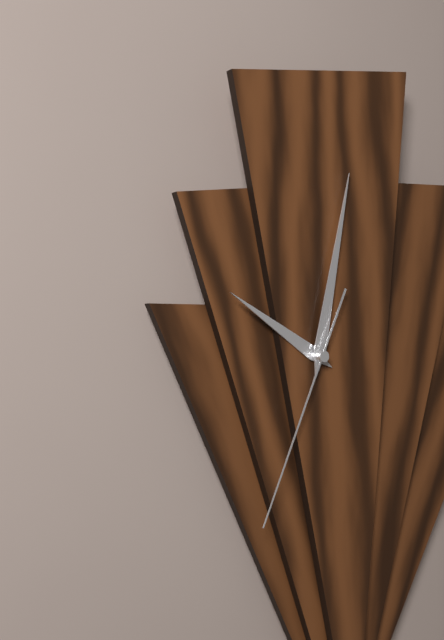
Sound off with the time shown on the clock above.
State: 10:02:34
